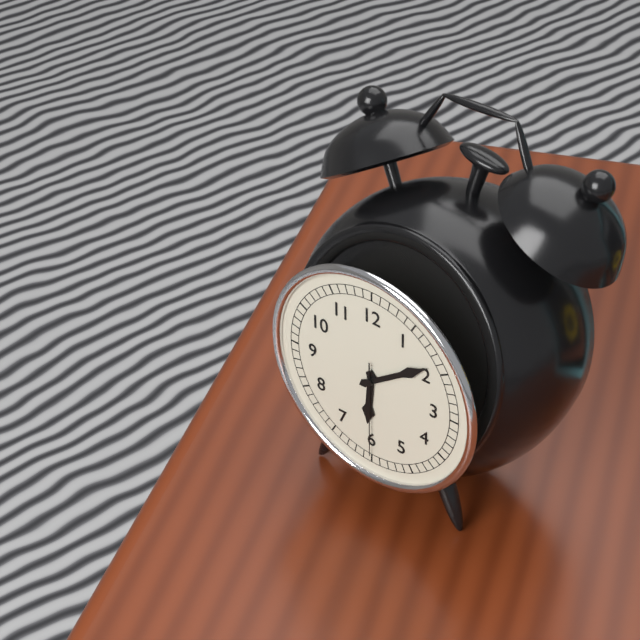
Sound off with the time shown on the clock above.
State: 6:09:30
